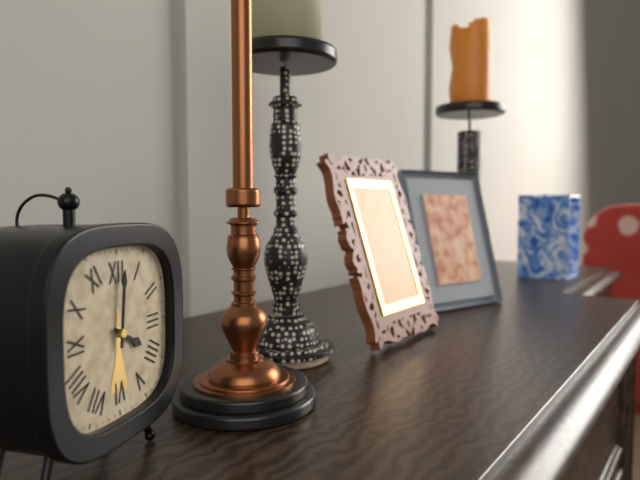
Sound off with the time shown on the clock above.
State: 4:01
